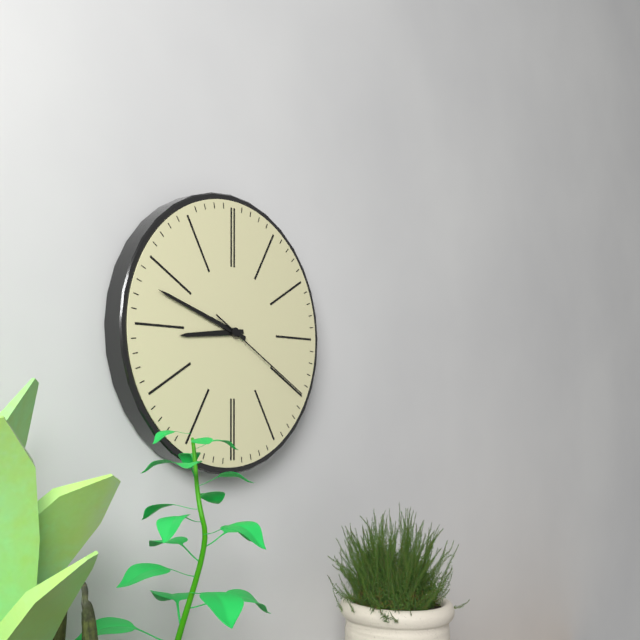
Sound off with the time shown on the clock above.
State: 8:48:20
